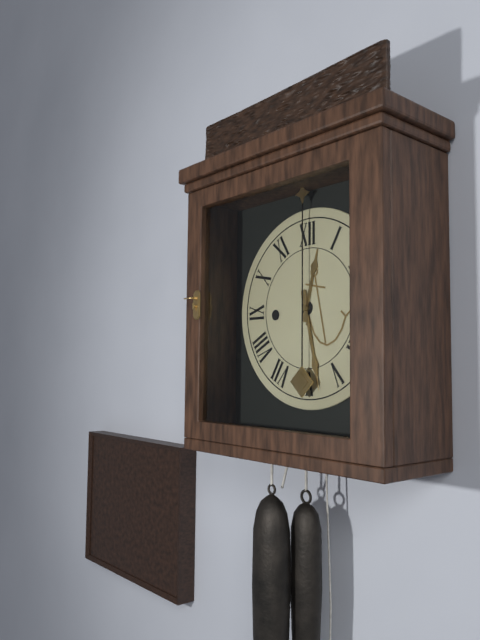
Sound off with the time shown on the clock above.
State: 12:28
